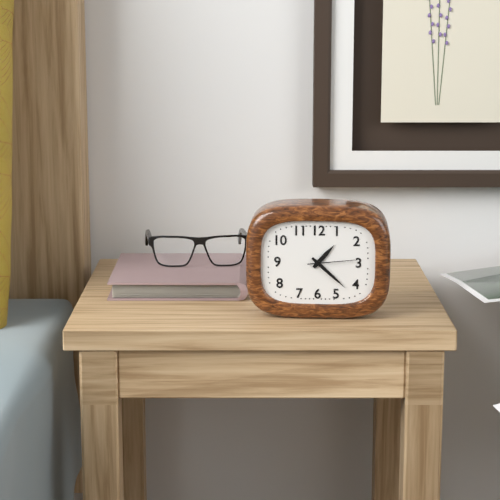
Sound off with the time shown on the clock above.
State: 1:22
